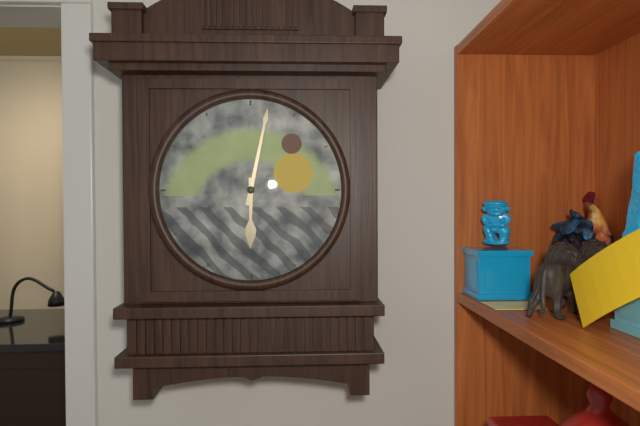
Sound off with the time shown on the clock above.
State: 6:02
